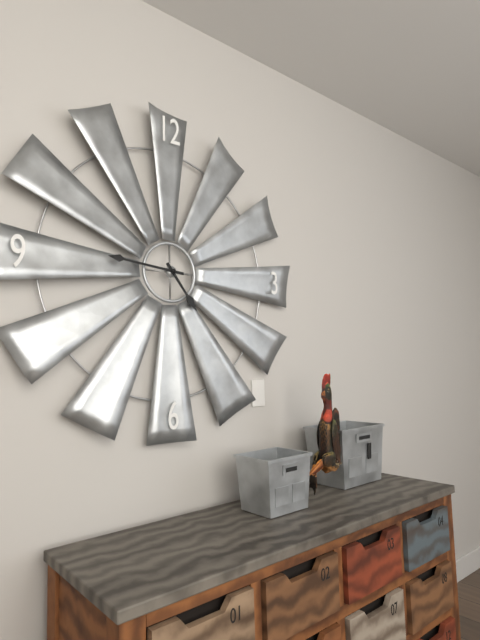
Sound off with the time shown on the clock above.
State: 4:46
